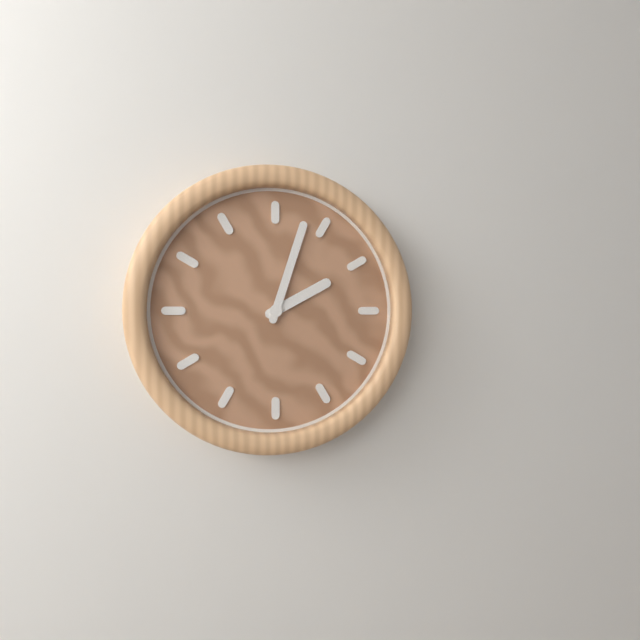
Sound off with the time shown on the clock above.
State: 2:03
